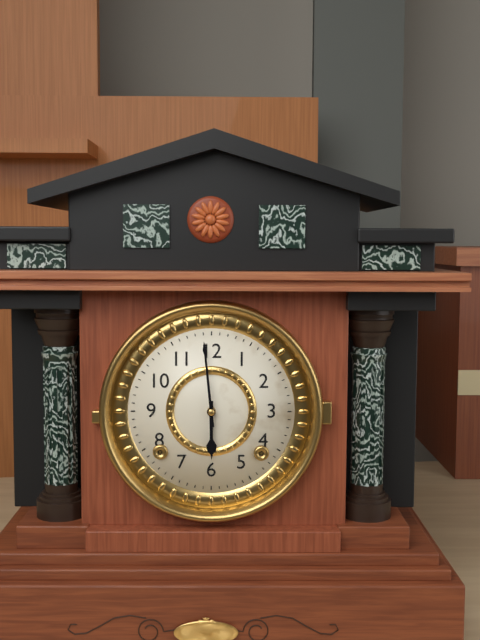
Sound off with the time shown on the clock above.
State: 5:59
